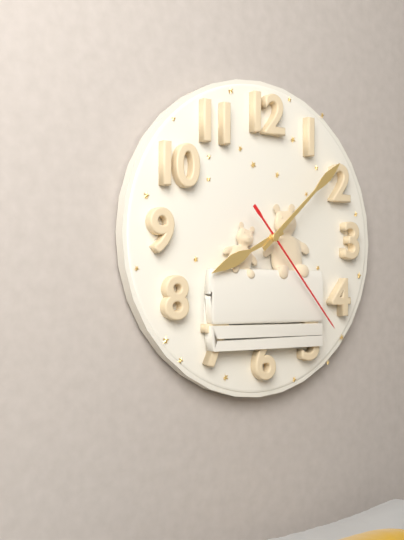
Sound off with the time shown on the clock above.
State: 8:08:23
